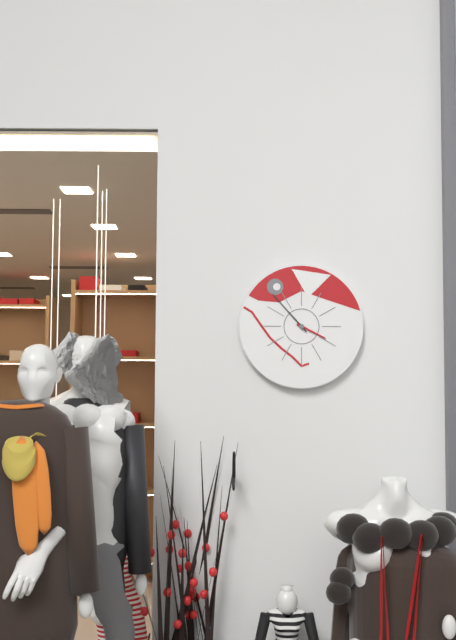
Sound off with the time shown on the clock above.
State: 3:53
